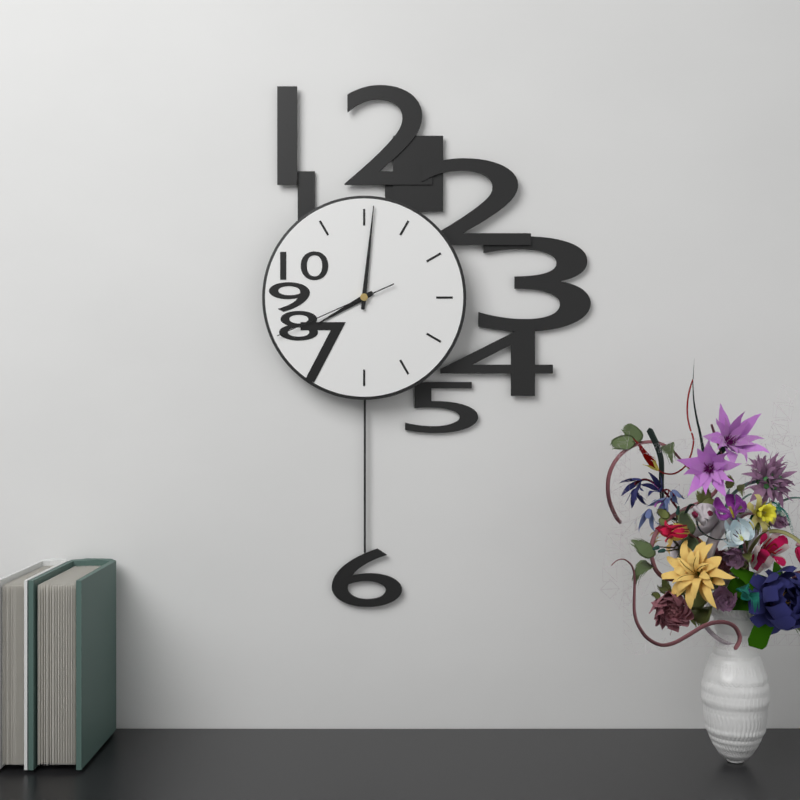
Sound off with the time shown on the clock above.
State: 8:01:41
